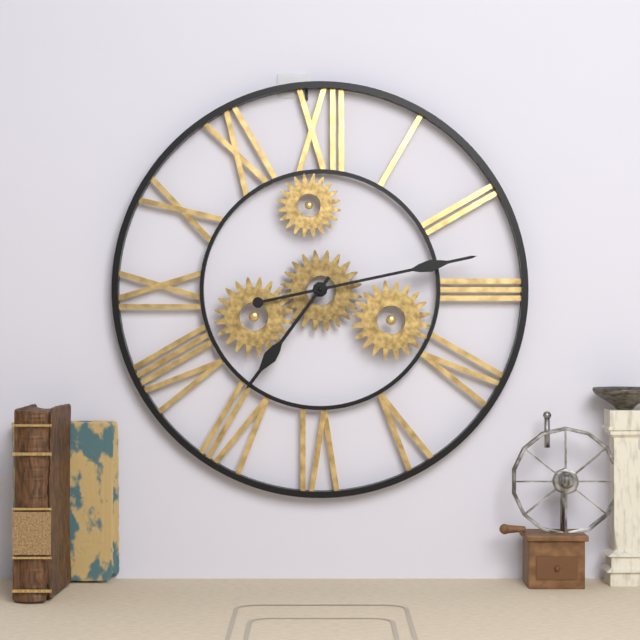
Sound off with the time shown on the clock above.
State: 7:13
